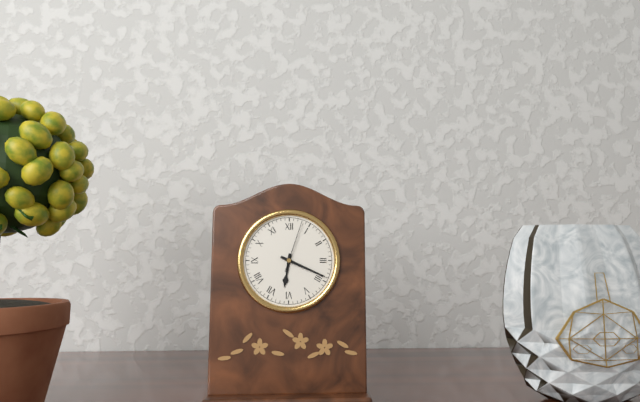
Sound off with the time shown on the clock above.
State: 6:19:03
